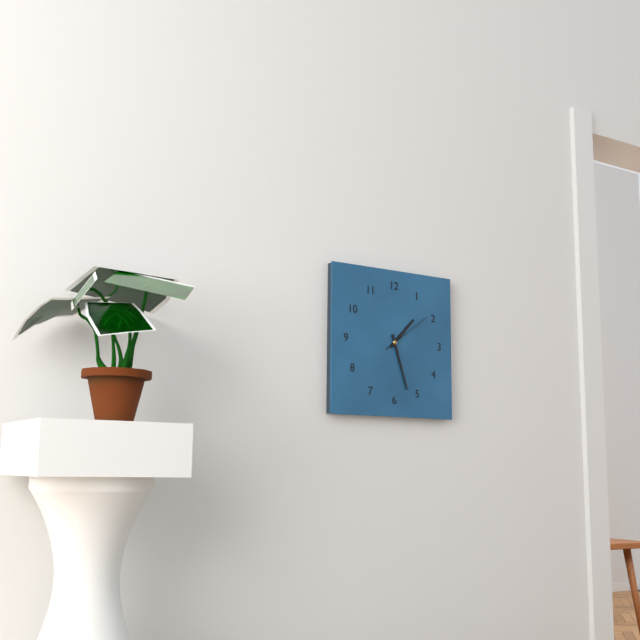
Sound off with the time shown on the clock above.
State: 1:27:09
